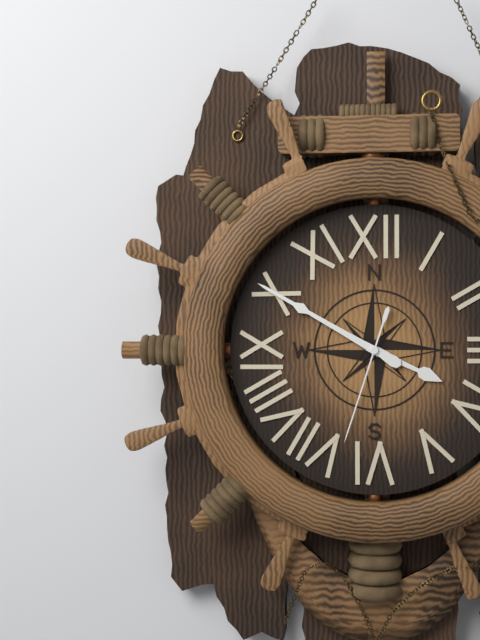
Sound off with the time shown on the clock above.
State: 3:50:33
